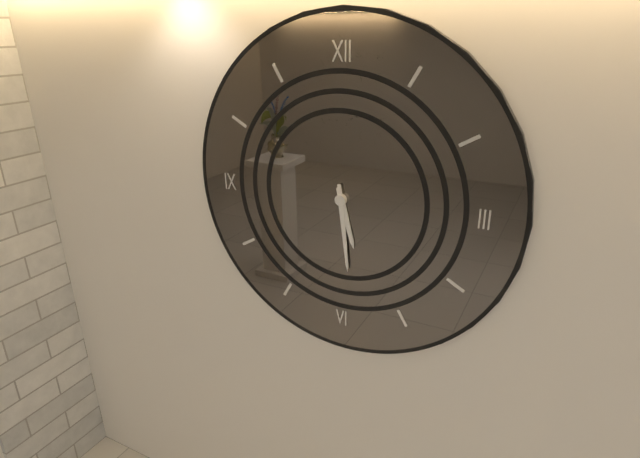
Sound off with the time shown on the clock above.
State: 5:29
